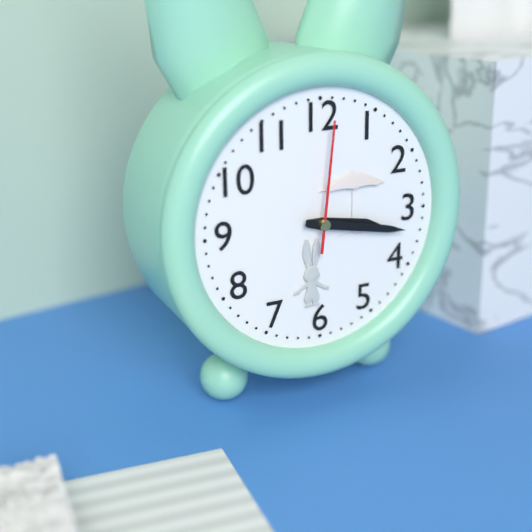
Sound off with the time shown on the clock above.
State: 3:17:01
